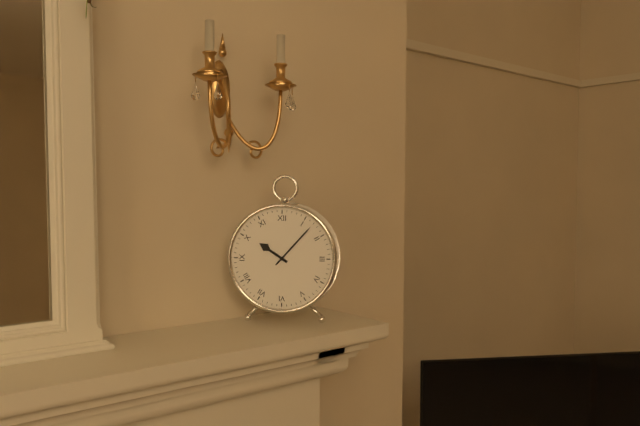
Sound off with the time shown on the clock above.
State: 10:07
